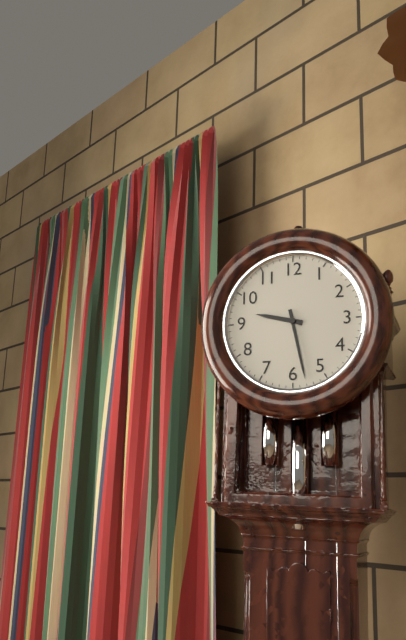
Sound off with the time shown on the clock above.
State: 9:28
